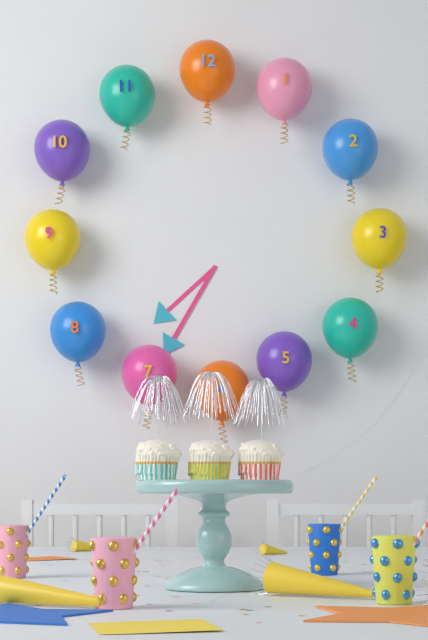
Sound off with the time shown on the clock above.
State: 7:35
